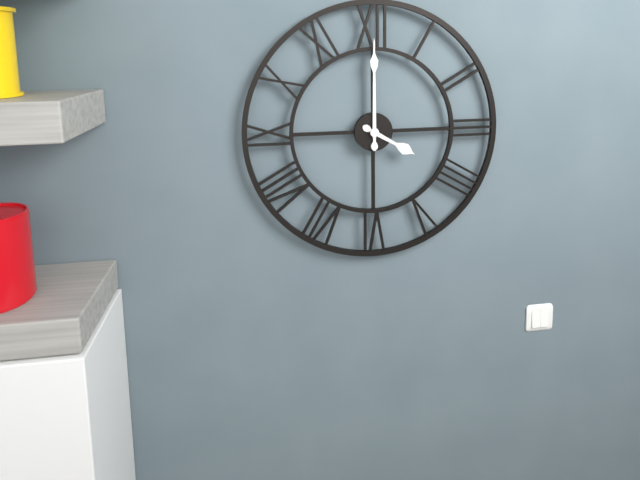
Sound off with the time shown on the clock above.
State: 4:00
